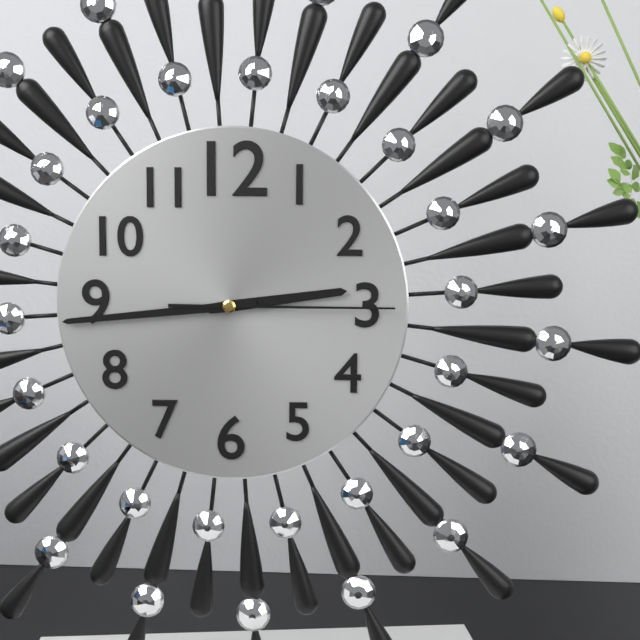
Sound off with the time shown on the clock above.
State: 2:44:15
